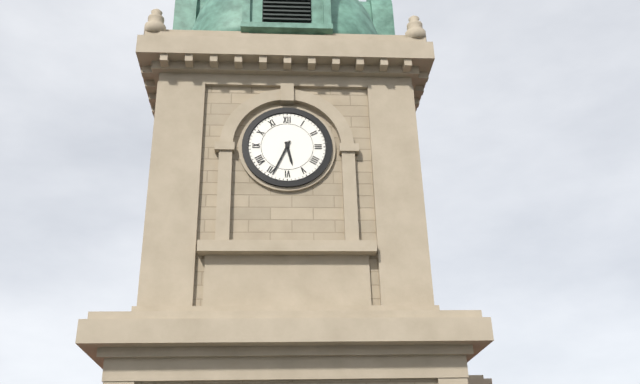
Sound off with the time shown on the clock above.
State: 5:34
